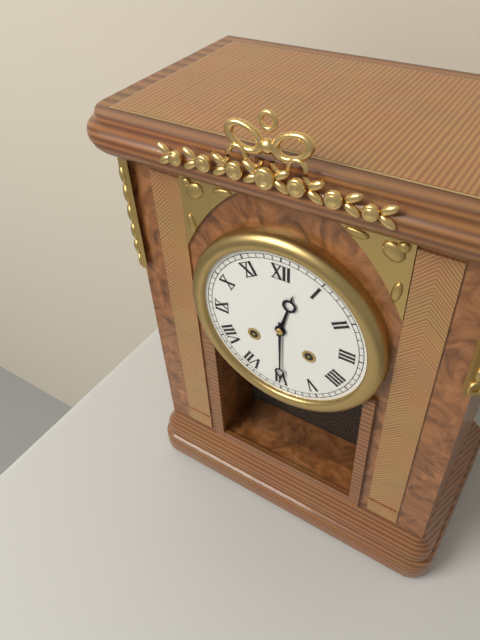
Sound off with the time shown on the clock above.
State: 12:30
